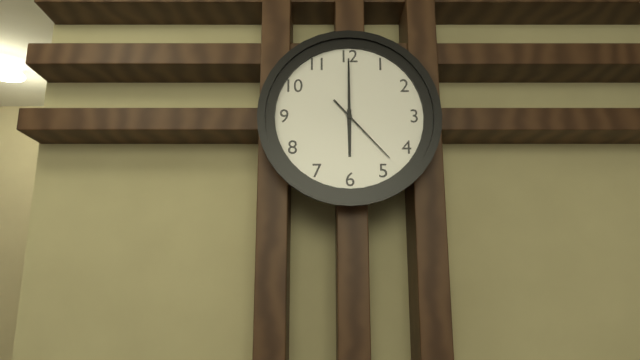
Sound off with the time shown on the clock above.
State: 6:00:23
